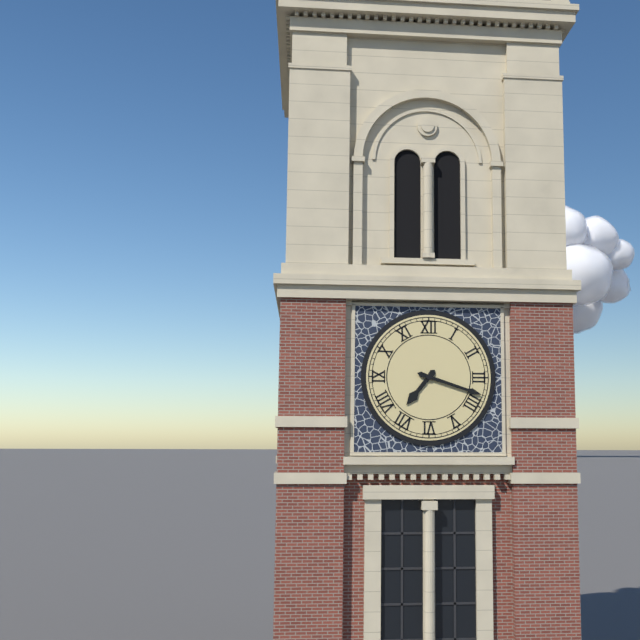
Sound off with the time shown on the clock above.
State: 7:18
